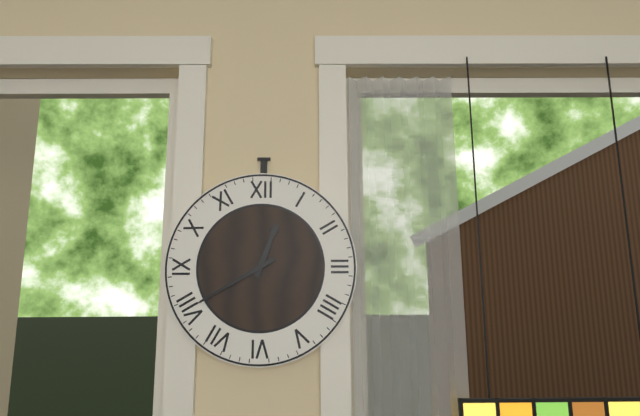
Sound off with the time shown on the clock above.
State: 12:40
